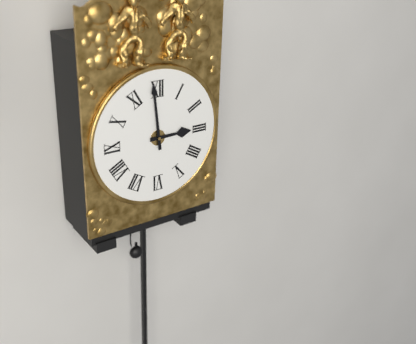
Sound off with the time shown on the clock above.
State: 2:59
